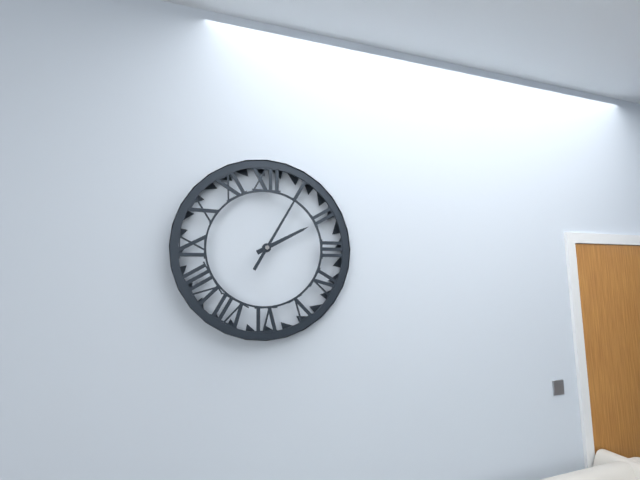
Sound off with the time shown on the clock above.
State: 2:05
